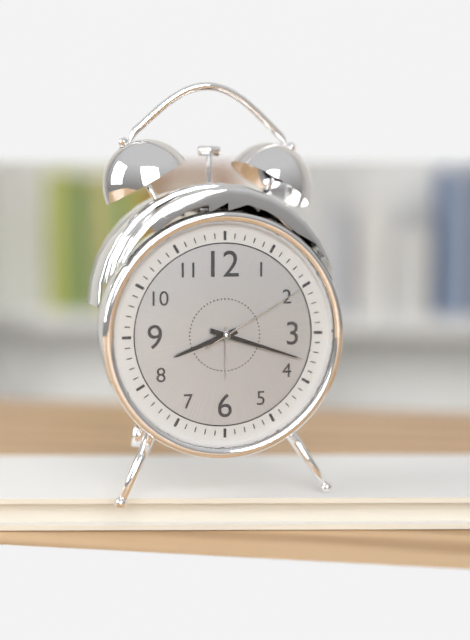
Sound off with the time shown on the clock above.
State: 8:18:10
